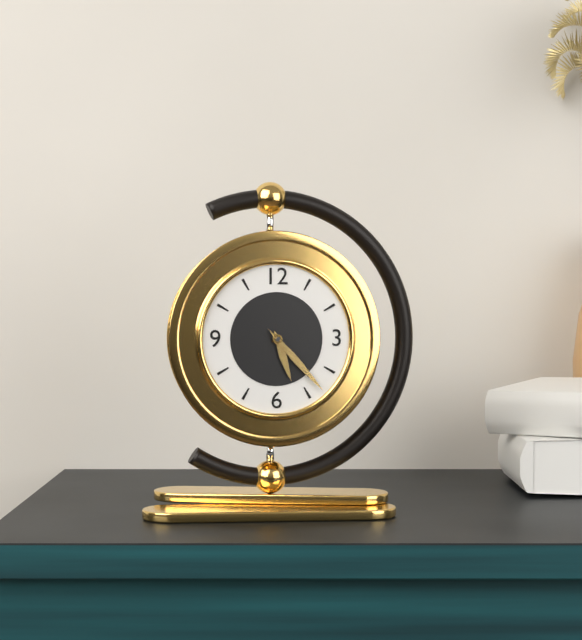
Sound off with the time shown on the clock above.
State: 5:23
